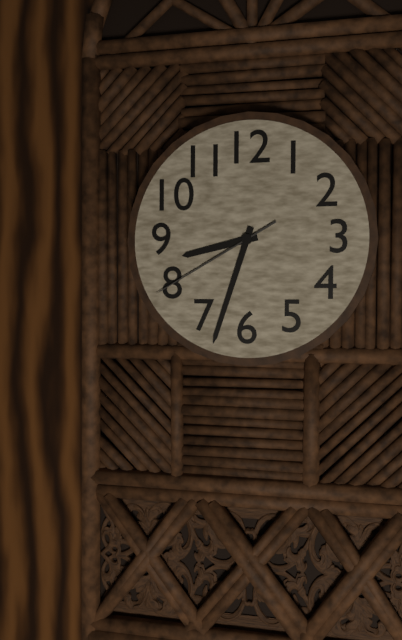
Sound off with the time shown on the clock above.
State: 8:33:40
